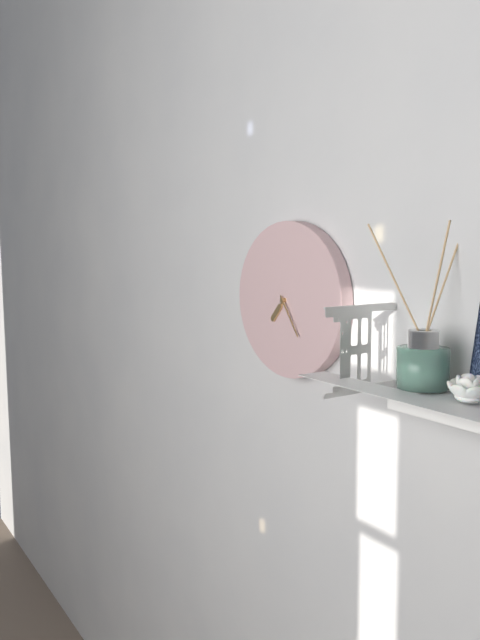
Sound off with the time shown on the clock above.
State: 7:24
